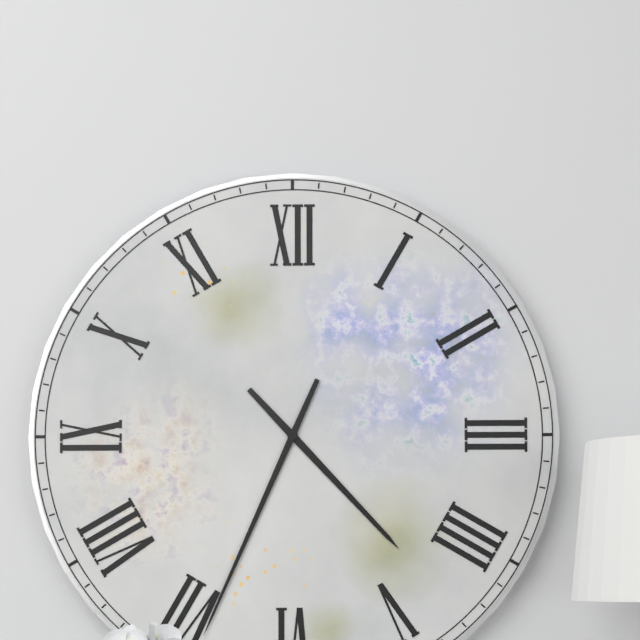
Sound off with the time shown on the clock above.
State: 4:34
